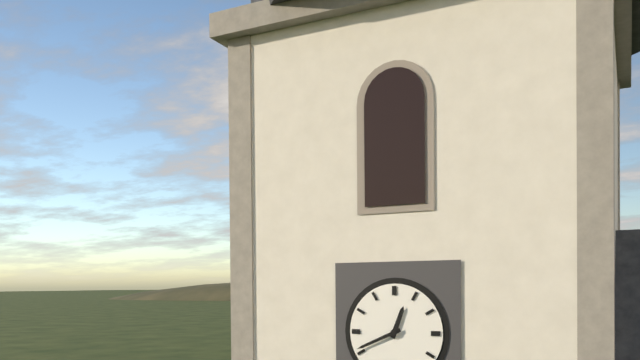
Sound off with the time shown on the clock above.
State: 12:41
